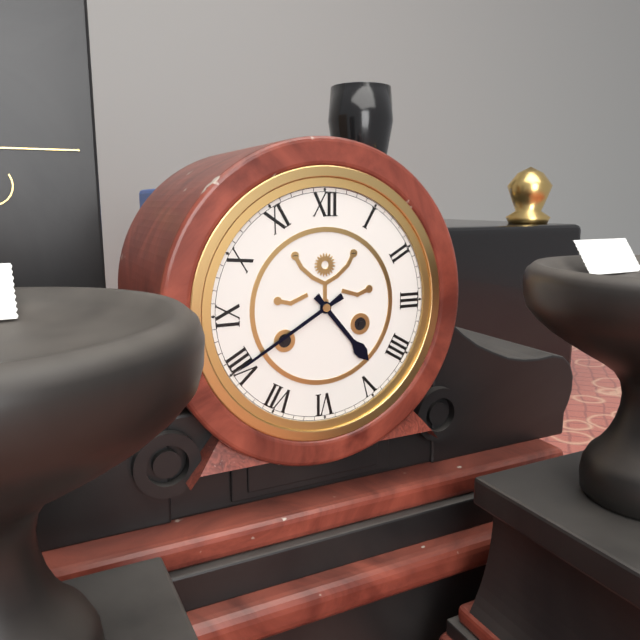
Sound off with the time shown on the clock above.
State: 4:40
